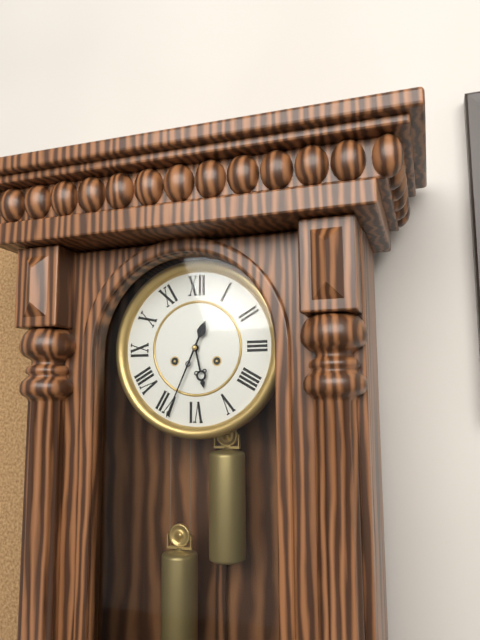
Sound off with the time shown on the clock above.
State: 5:34
